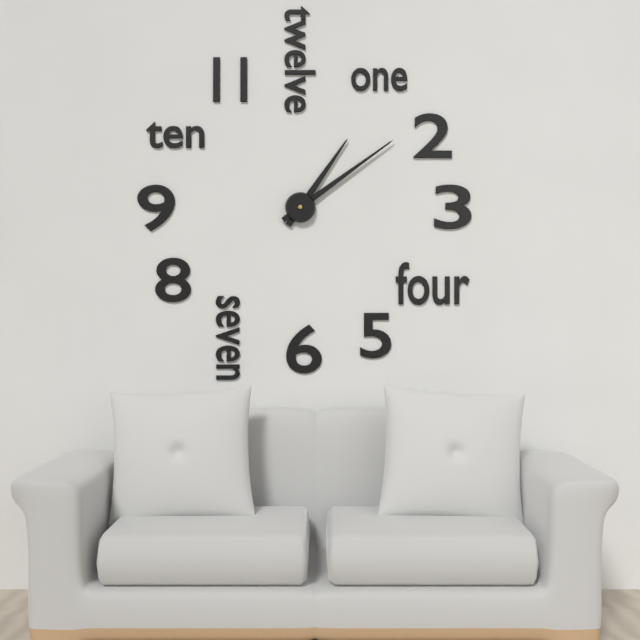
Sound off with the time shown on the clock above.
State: 1:09
